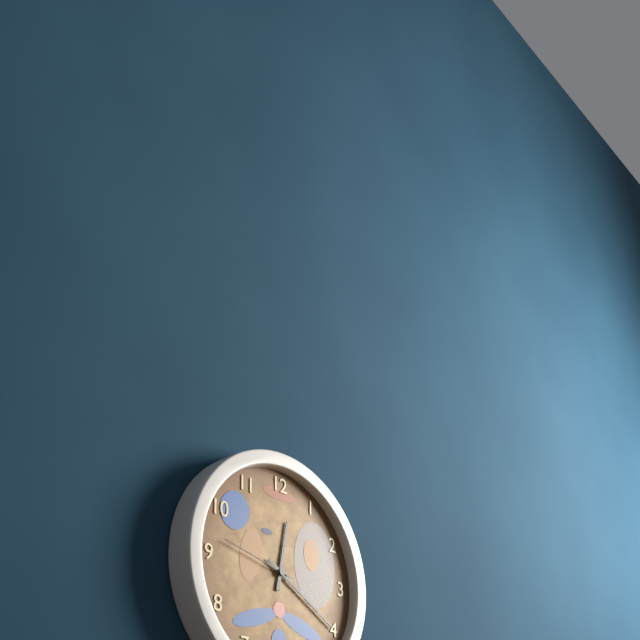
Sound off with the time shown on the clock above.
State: 12:20:47
